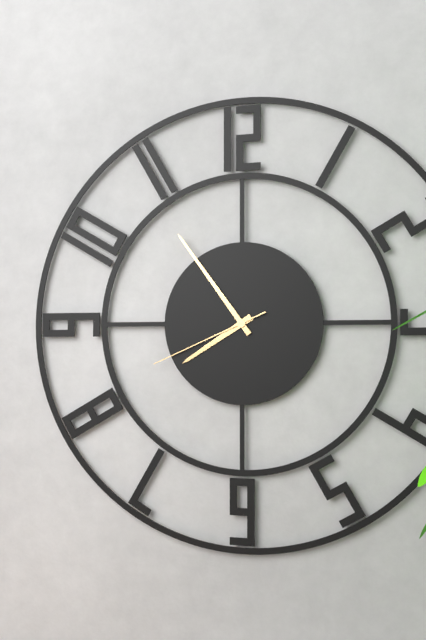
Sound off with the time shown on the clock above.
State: 7:54:41
